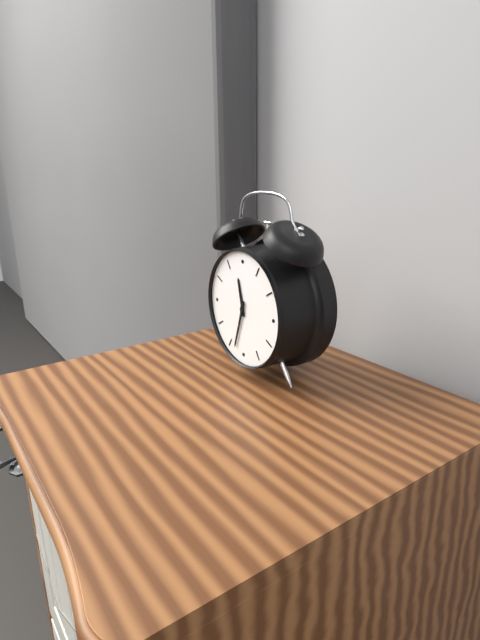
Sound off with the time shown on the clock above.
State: 11:33
